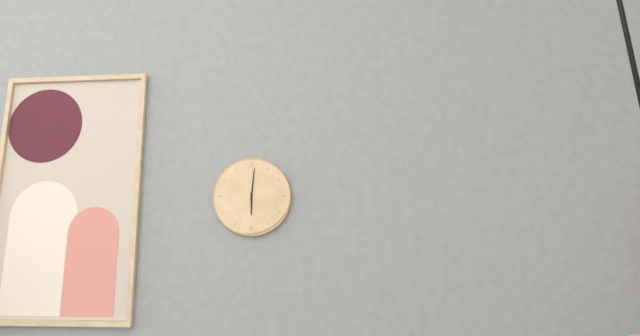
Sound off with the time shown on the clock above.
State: 6:01
